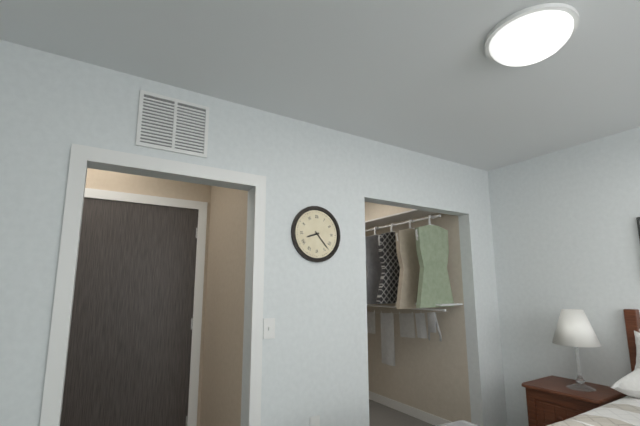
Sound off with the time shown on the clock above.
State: 8:23
